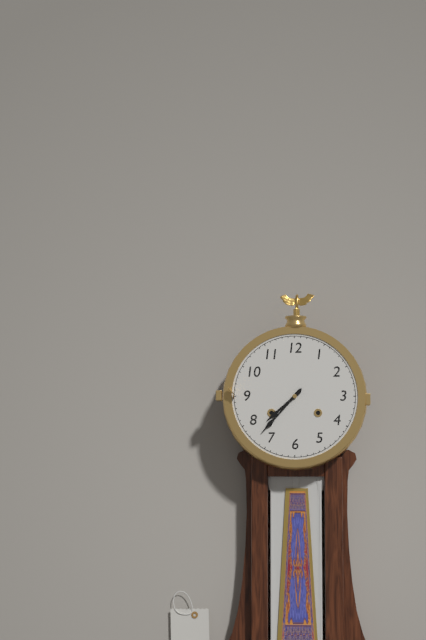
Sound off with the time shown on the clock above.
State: 7:37
